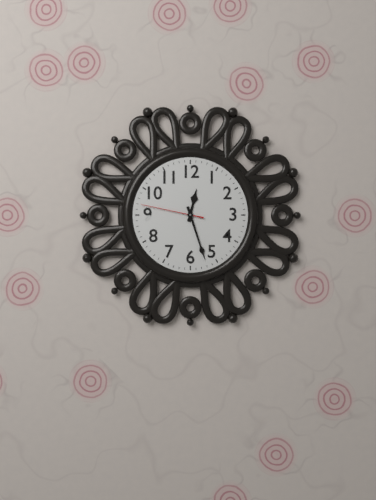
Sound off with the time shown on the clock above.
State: 12:27:47
